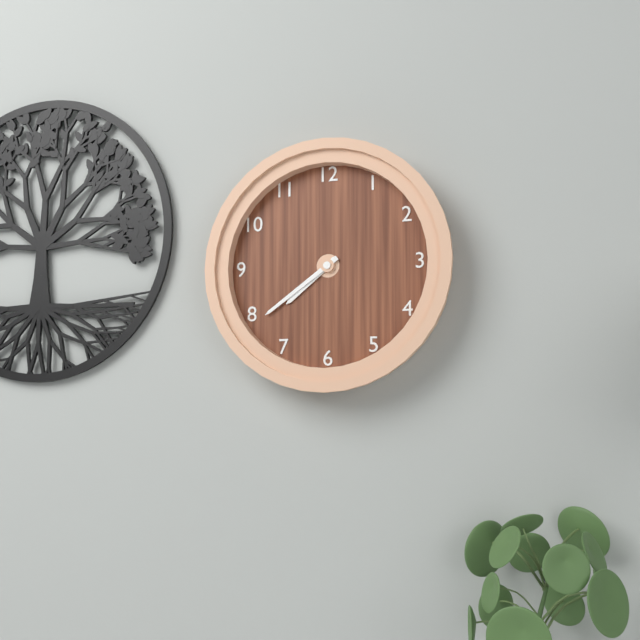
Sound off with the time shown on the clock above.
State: 7:39
